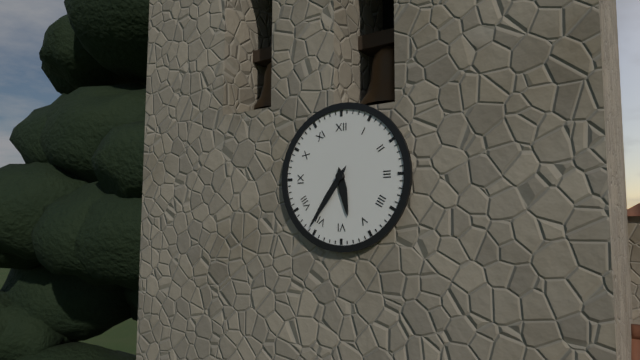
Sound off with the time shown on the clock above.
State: 5:36
